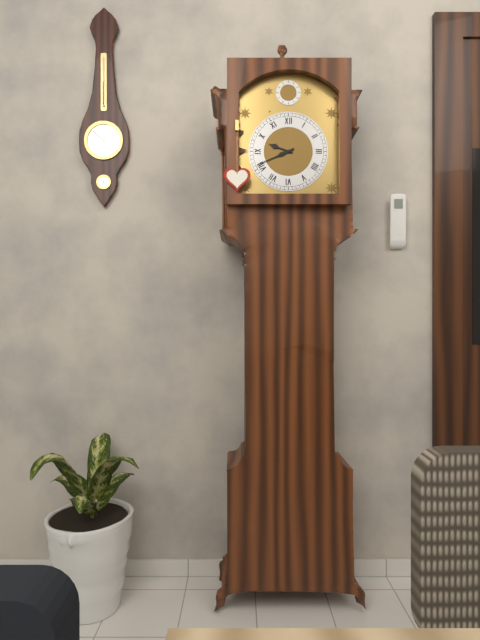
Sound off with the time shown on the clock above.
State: 9:41
